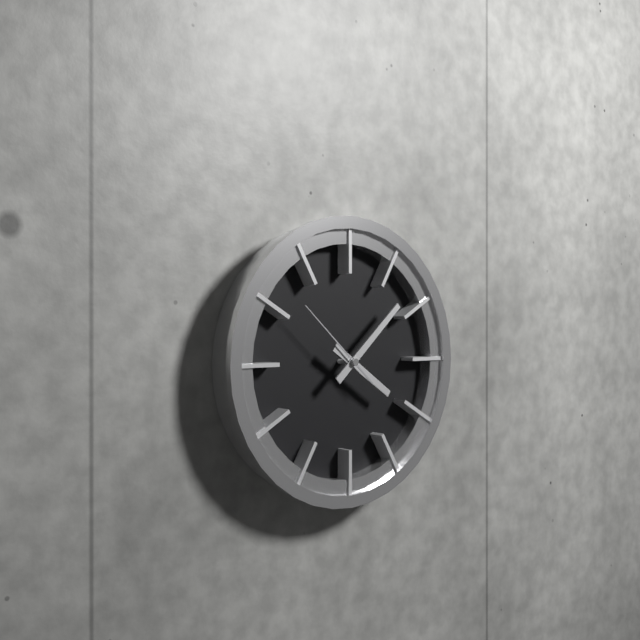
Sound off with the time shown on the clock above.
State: 4:08:52
